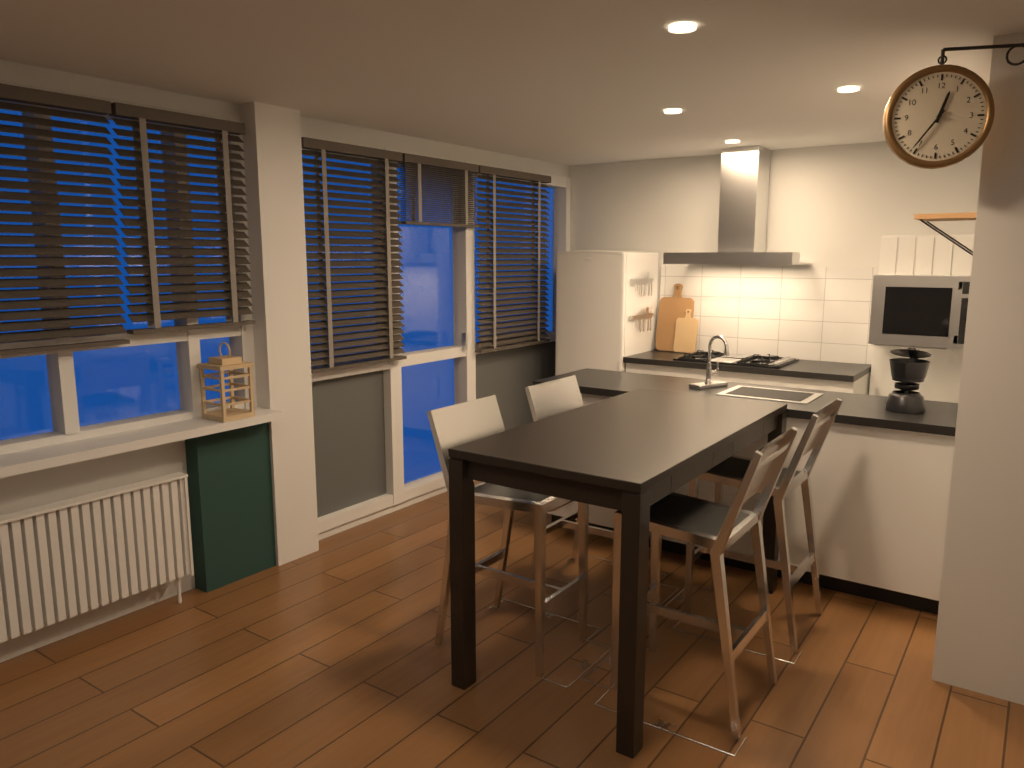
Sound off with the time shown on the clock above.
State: 12:36
